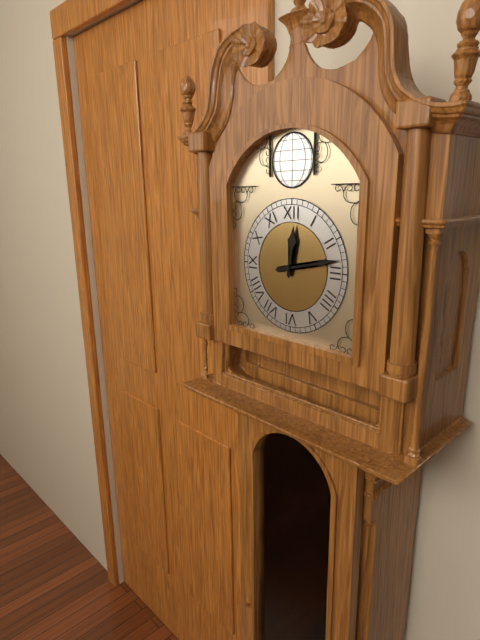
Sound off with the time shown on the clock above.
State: 12:13
